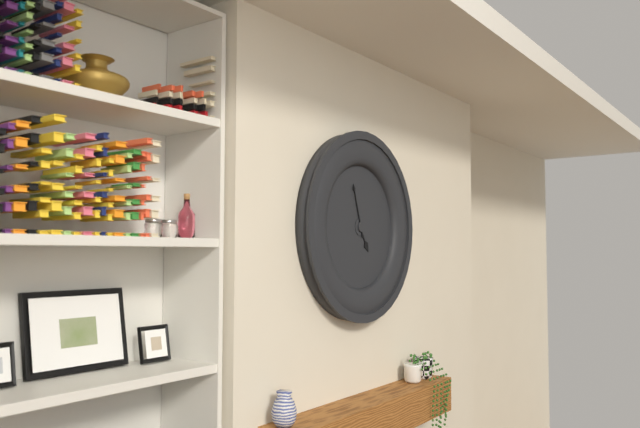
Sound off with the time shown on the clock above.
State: 4:57
